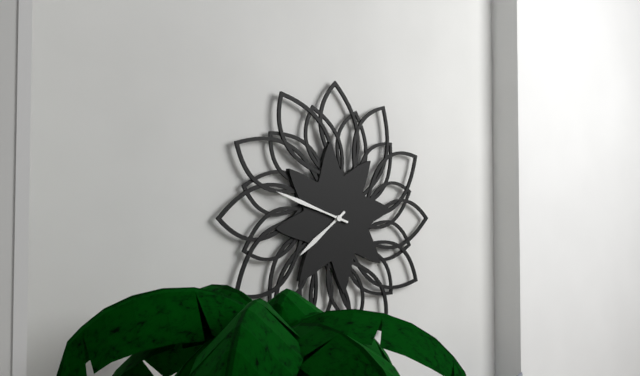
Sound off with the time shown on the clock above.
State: 7:48
